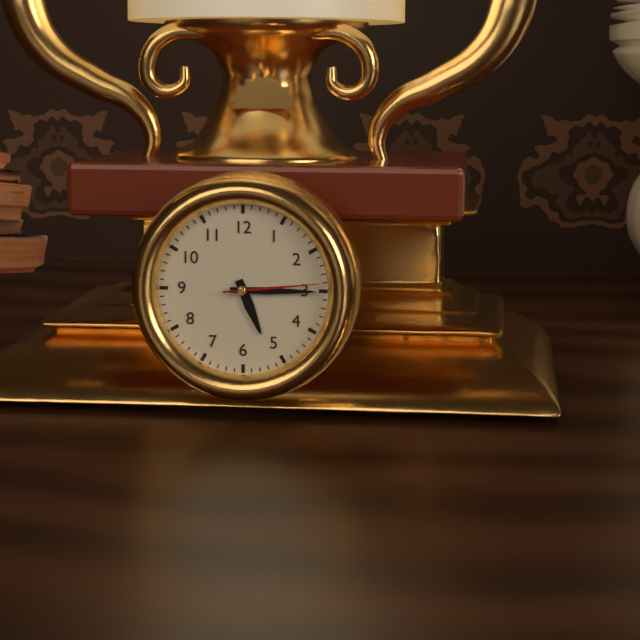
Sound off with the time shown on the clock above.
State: 5:15:14
